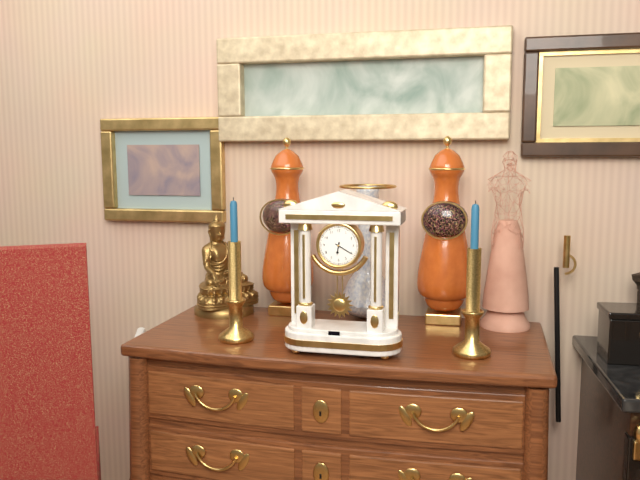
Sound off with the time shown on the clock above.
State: 6:20
